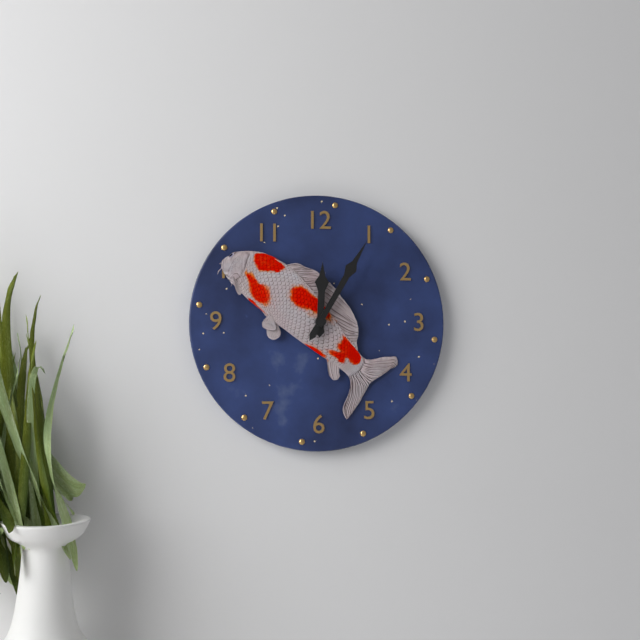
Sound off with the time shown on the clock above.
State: 12:05
